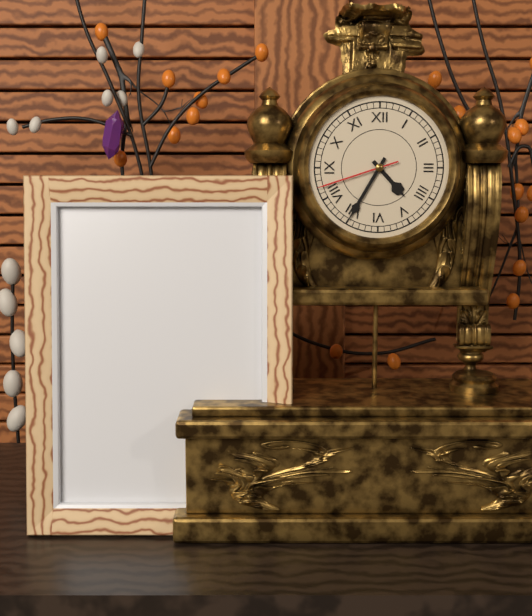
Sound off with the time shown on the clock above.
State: 4:35:42
